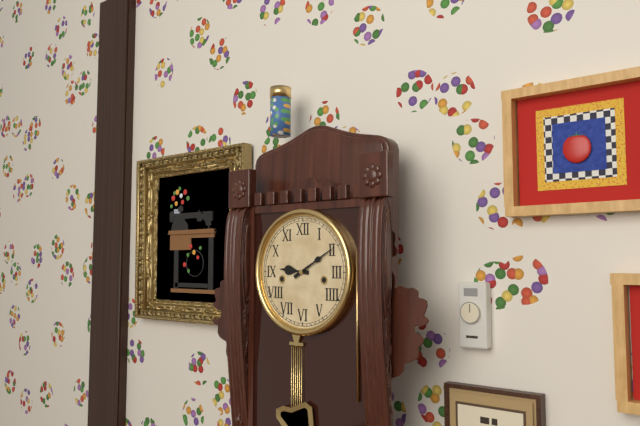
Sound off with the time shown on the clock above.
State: 9:10
